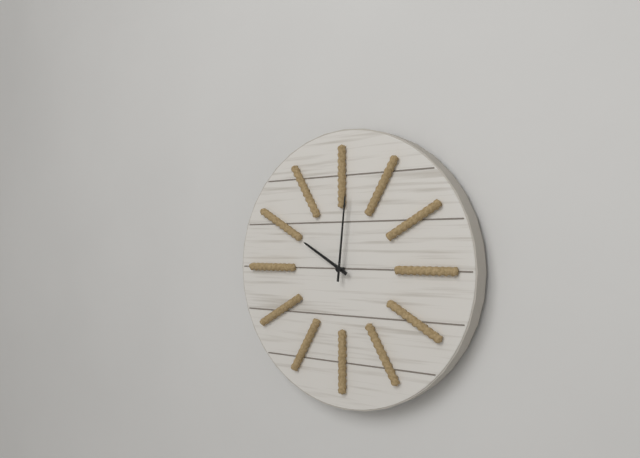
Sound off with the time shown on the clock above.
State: 10:01
